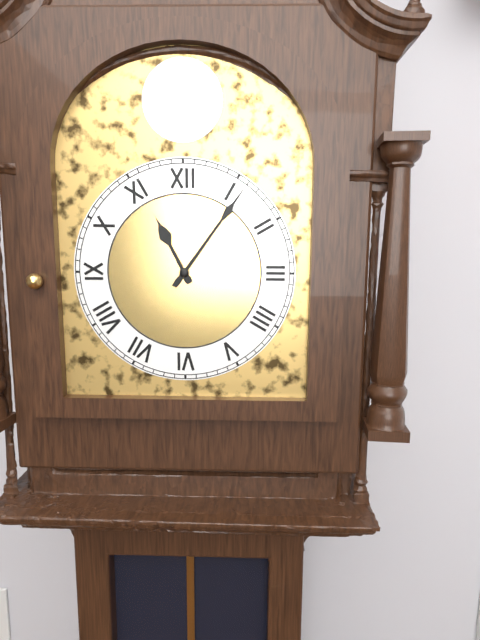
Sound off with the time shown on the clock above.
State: 11:06
